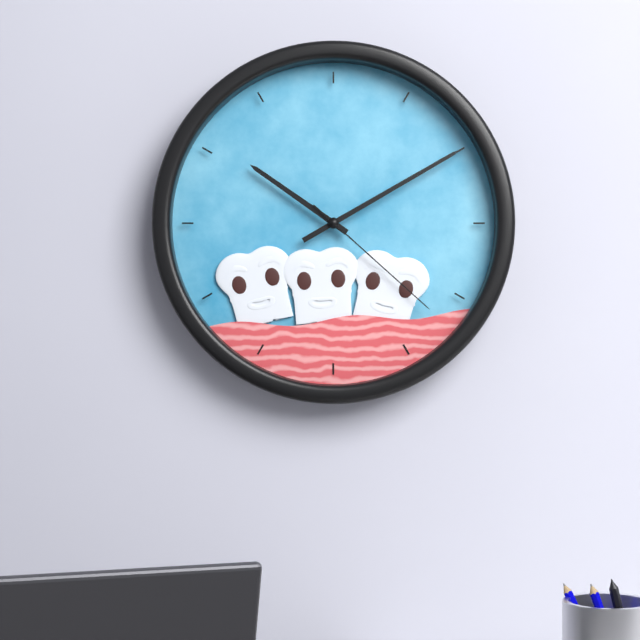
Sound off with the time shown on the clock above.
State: 10:10:22
